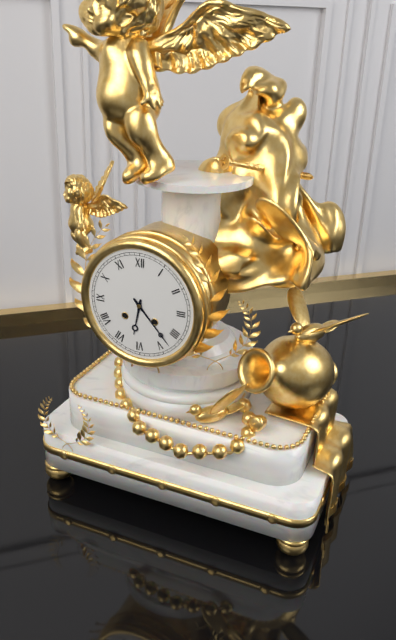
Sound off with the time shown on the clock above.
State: 6:23
